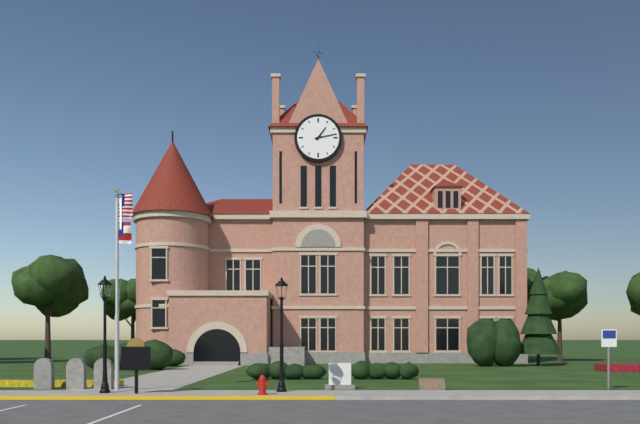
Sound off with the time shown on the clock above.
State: 1:13
